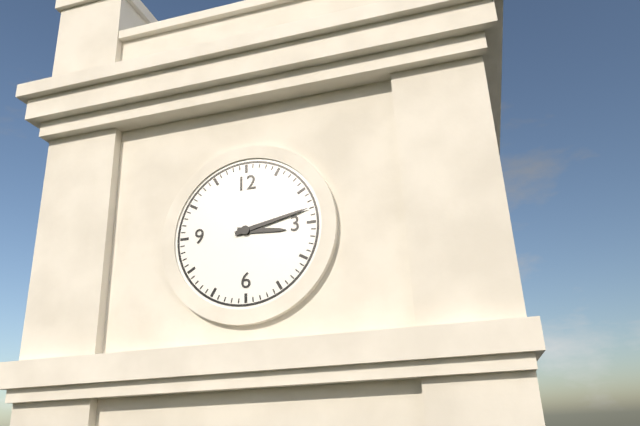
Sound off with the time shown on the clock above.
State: 3:13
